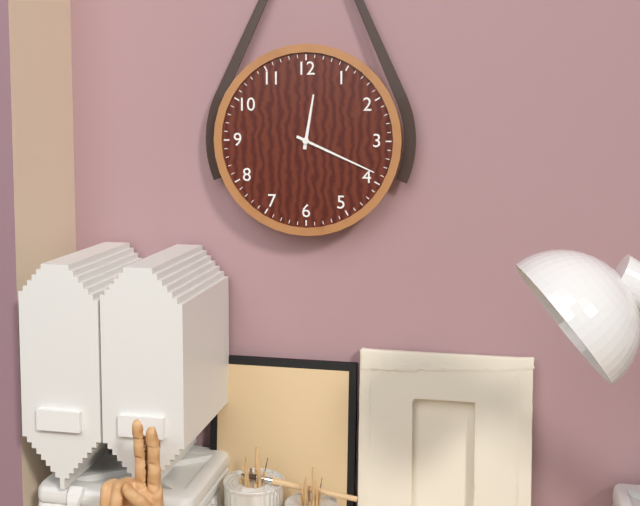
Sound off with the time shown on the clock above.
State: 12:19
